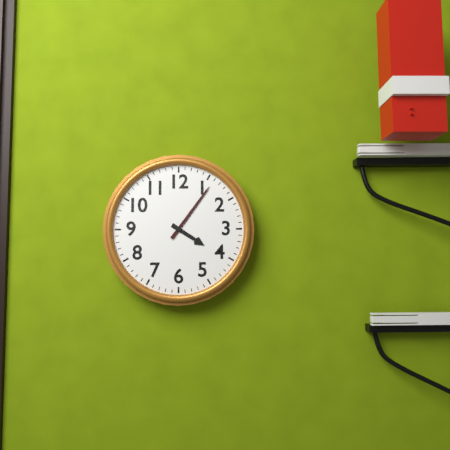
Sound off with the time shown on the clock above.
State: 4:06
